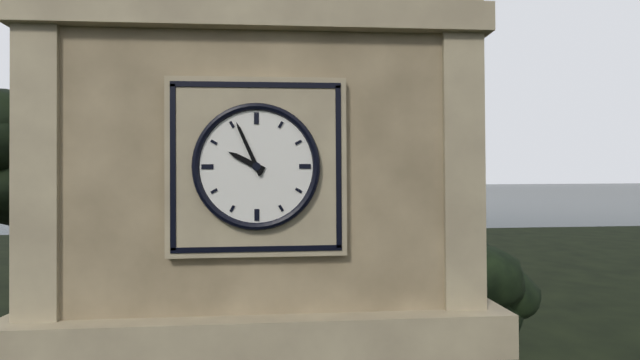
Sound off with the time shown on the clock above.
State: 9:56
